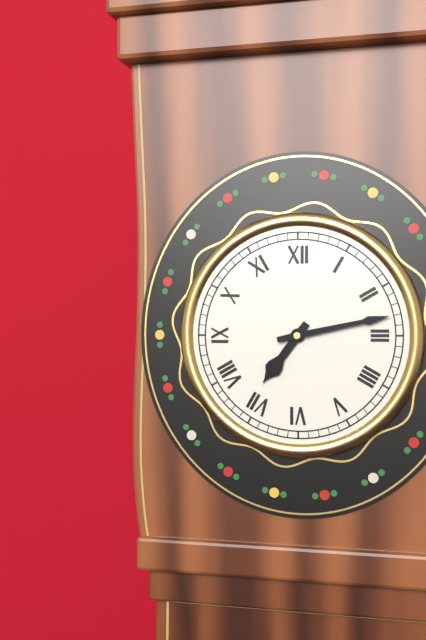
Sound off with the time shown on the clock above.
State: 7:13
